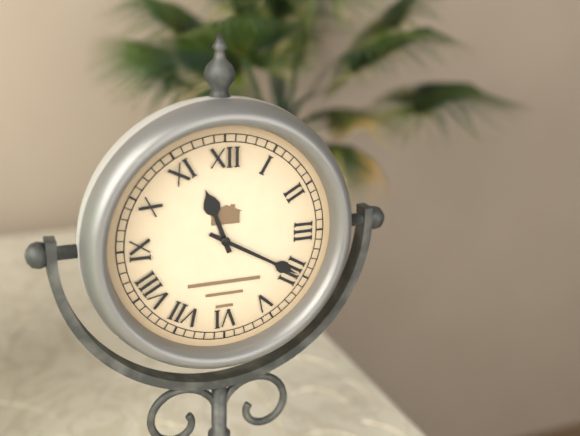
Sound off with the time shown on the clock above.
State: 11:20
